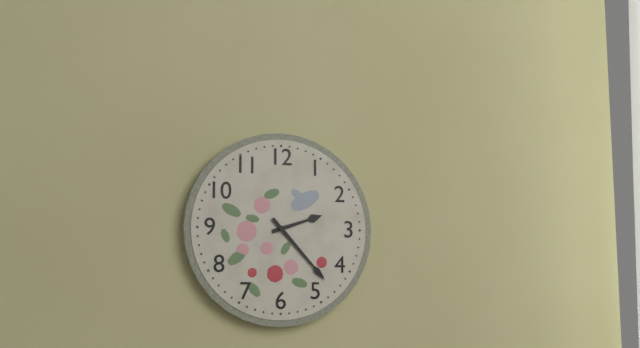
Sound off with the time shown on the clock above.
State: 2:23
